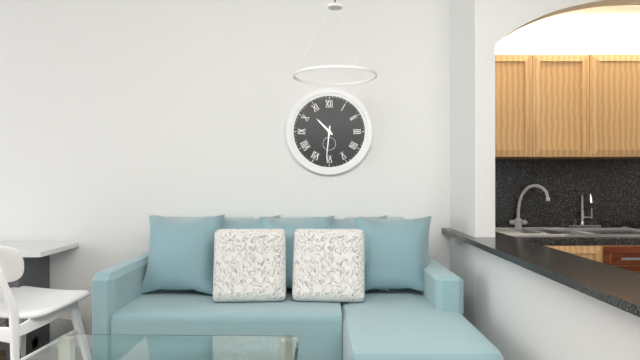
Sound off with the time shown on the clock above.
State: 10:31
